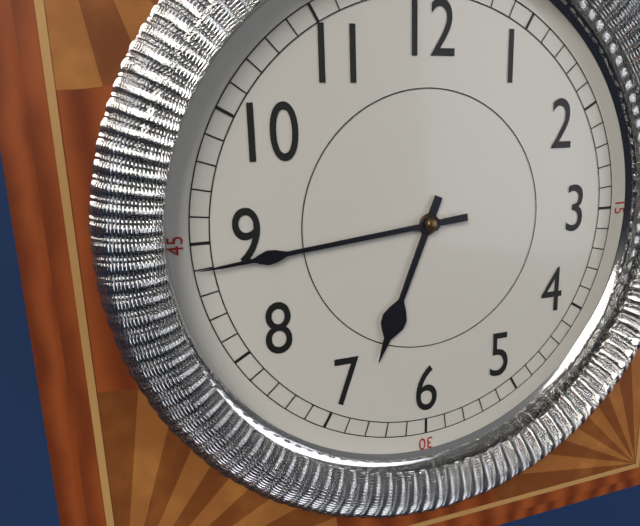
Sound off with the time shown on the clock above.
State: 6:44
